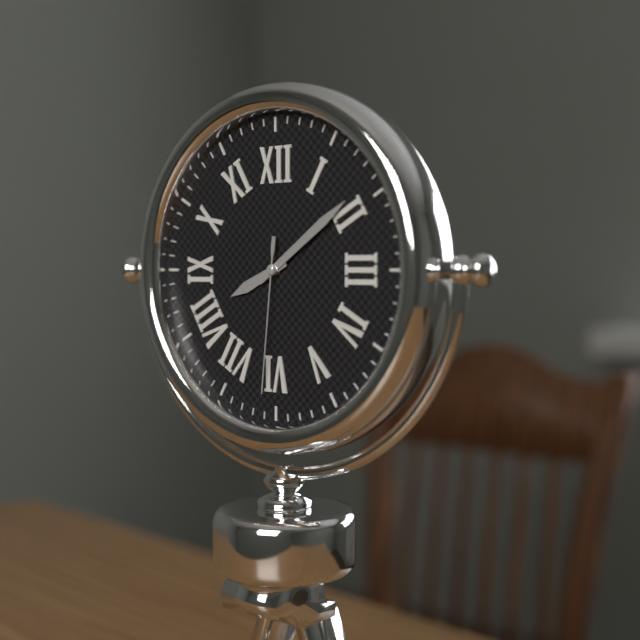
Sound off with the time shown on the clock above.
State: 8:09:31
